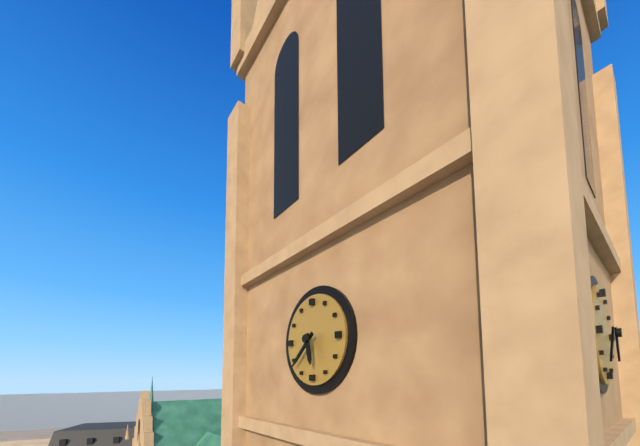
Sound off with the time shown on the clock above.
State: 5:38
